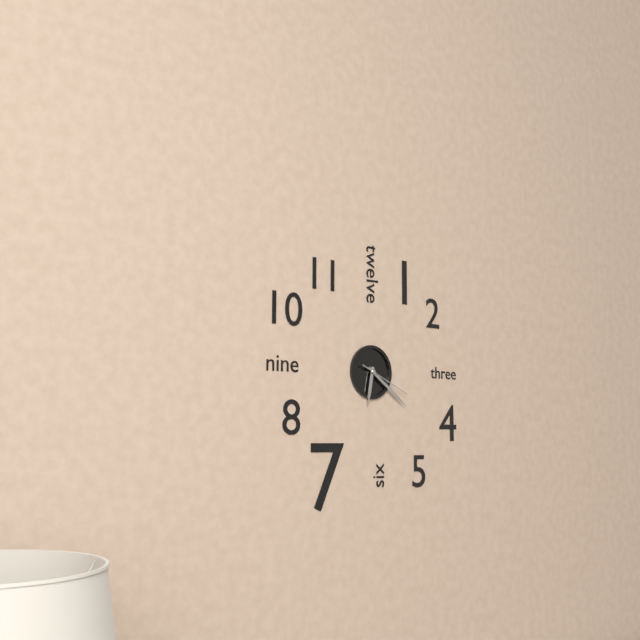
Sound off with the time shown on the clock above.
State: 6:21:19
